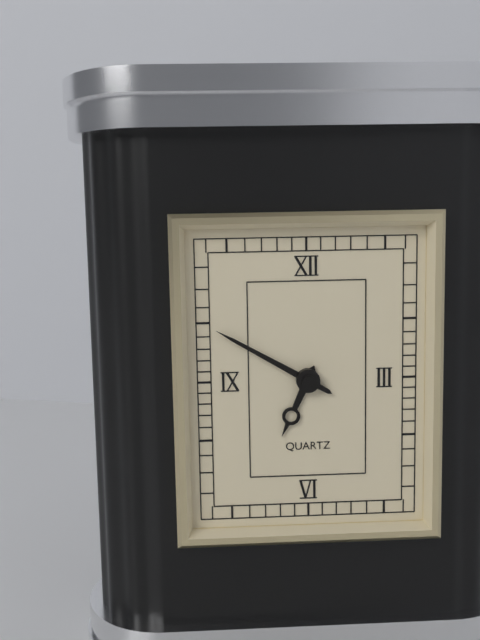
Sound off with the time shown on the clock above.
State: 6:50
